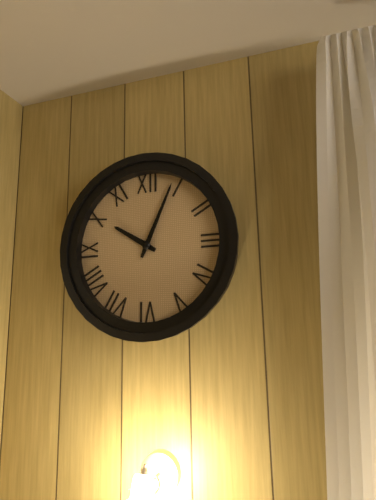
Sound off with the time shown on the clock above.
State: 10:04
